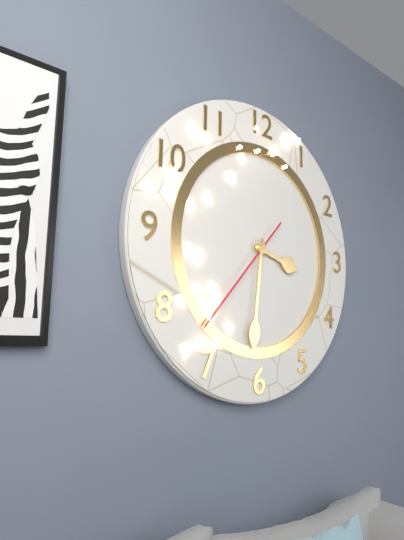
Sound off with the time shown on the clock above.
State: 3:31:37
